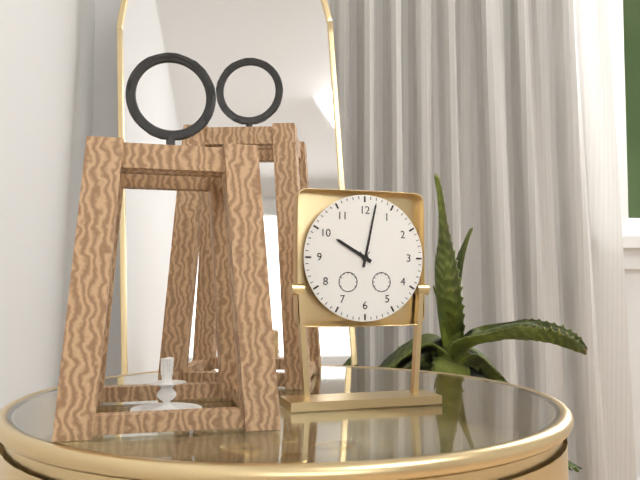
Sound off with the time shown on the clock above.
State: 10:02
